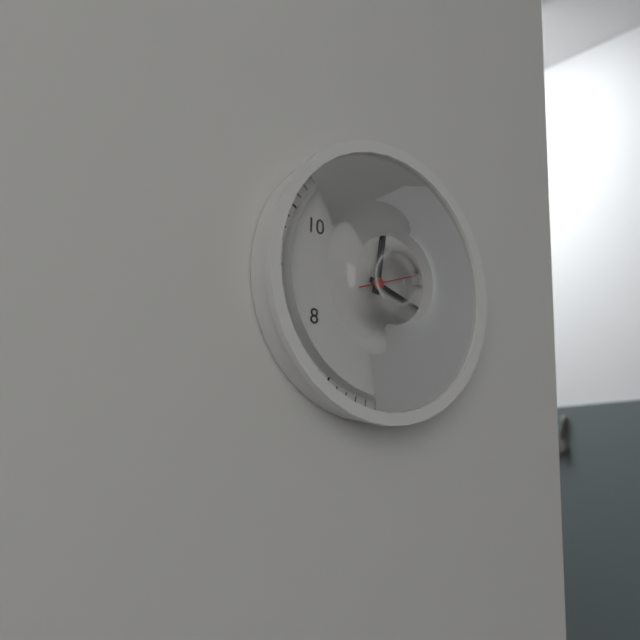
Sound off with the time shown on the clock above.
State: 12:18:12
